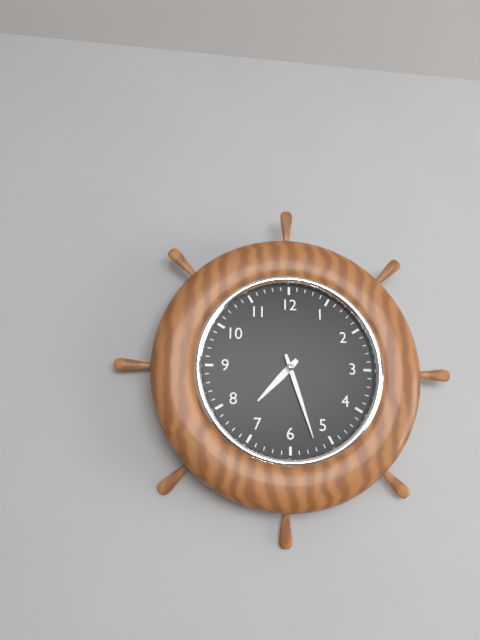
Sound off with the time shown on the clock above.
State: 7:27
